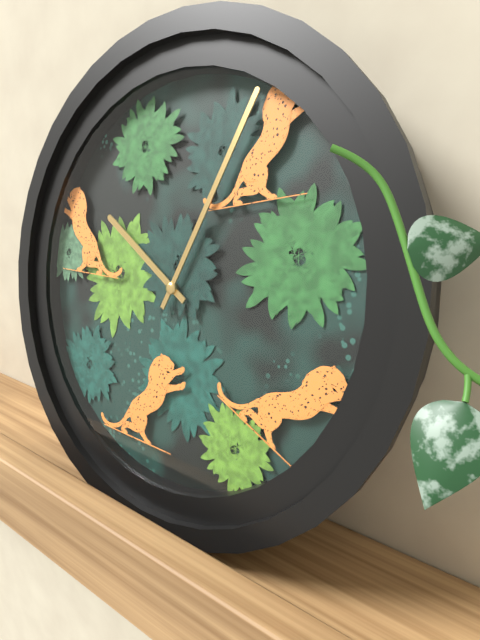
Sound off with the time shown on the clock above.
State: 10:04
